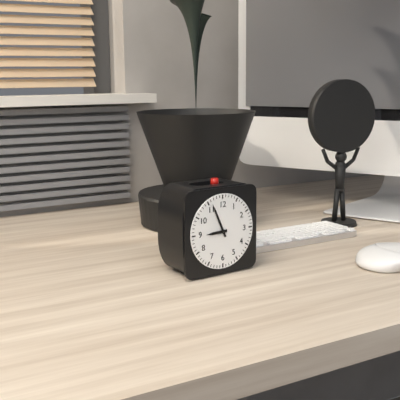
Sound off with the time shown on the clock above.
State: 8:56
